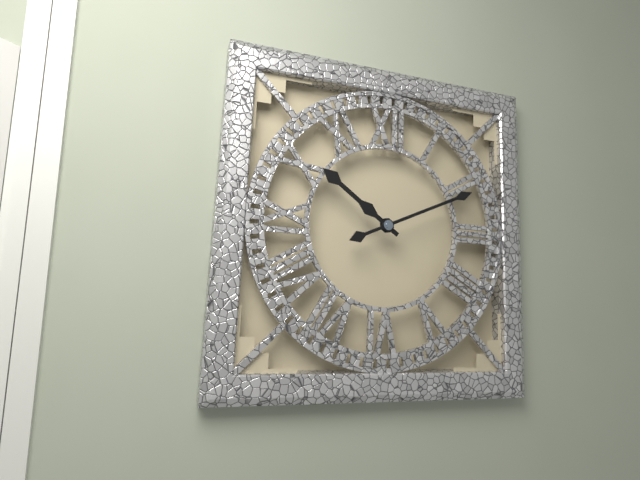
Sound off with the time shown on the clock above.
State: 10:11
